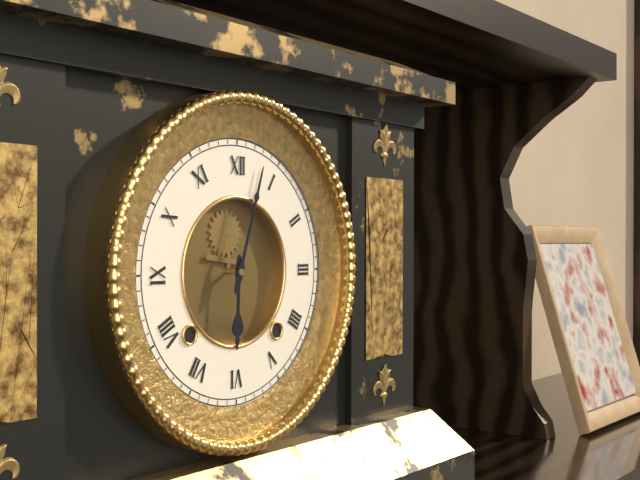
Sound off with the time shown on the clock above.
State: 6:03
